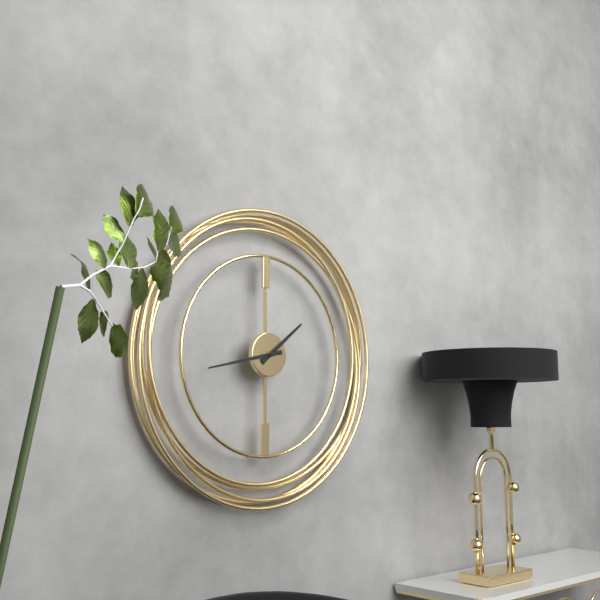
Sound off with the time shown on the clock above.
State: 1:43
